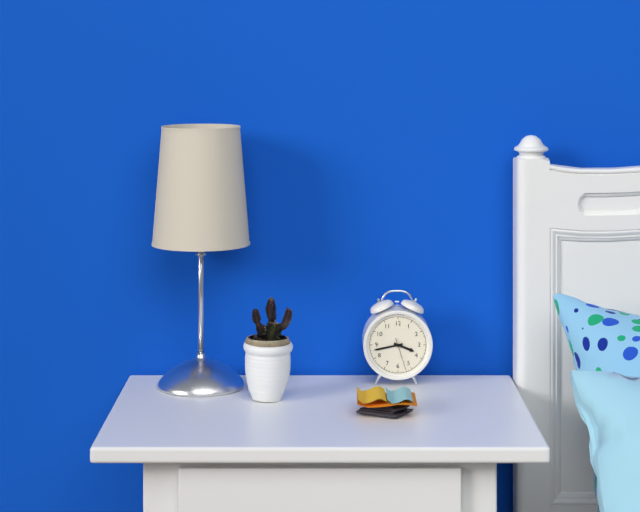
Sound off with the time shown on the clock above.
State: 3:43
